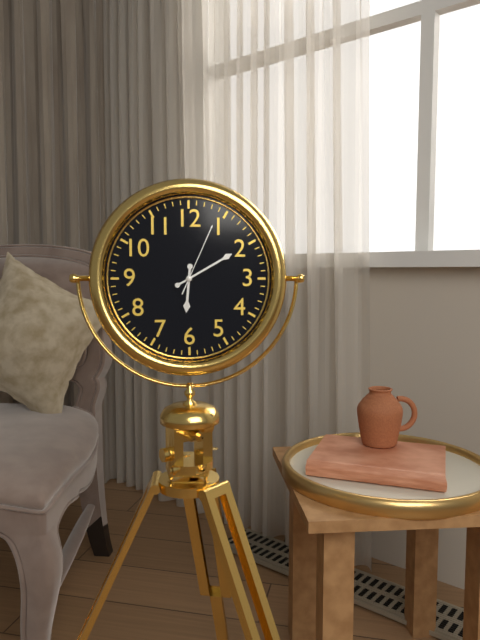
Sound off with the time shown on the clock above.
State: 6:10:04
